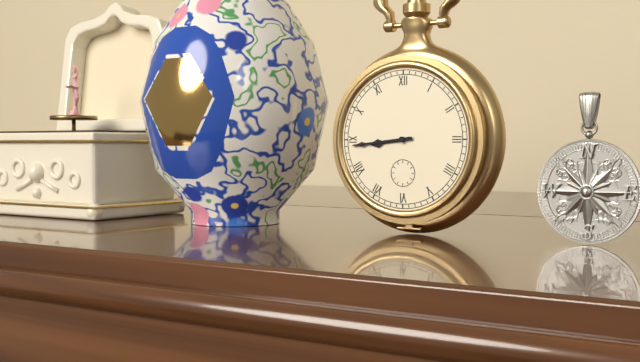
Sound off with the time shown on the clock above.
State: 8:44
